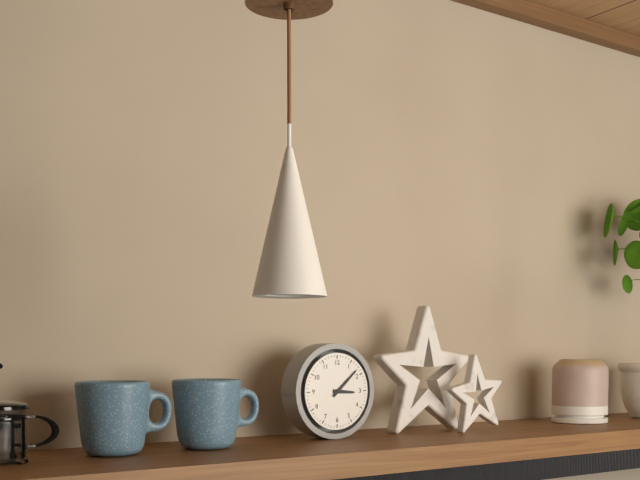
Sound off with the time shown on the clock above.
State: 3:08
